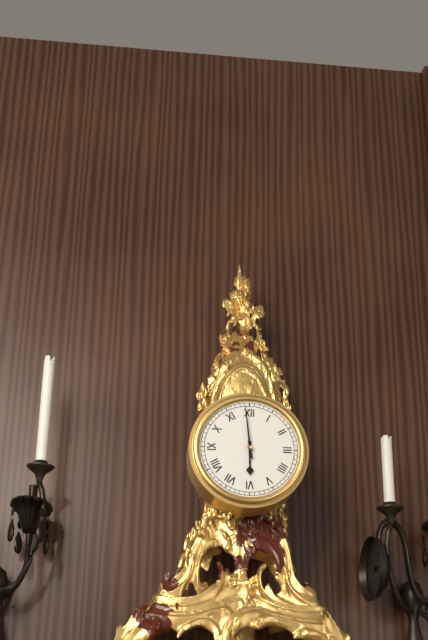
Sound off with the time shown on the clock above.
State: 5:59
